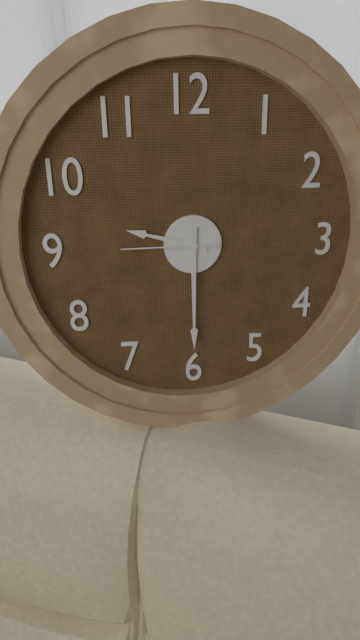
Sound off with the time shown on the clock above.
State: 9:30:45
